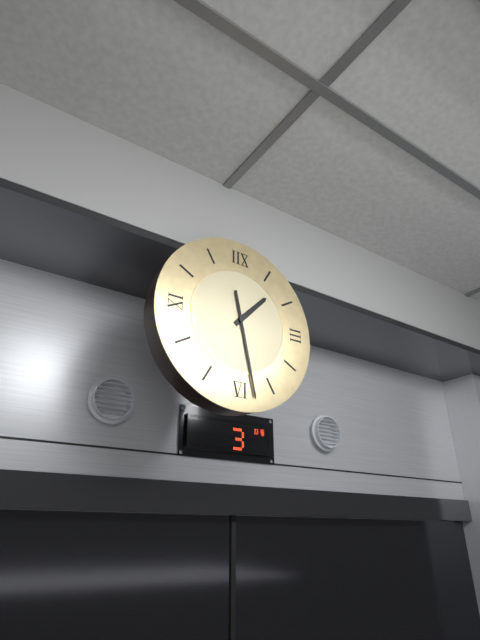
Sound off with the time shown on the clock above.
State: 1:28
